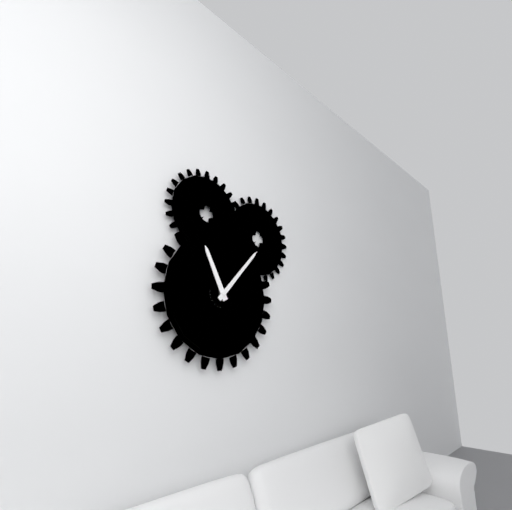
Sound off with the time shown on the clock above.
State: 11:07
